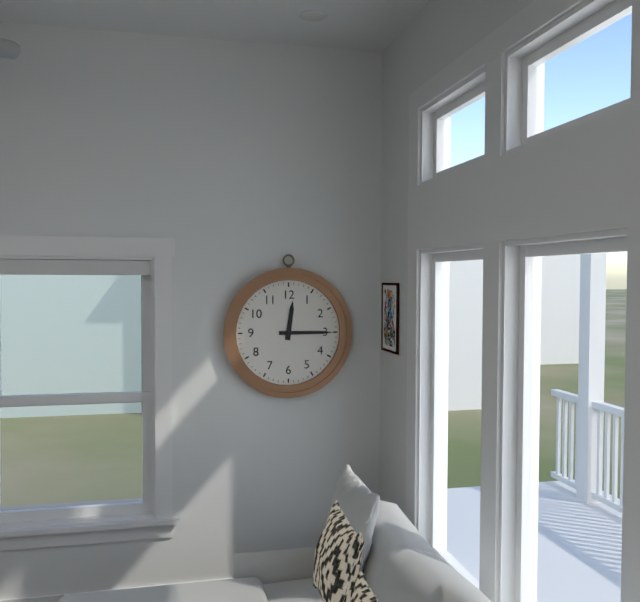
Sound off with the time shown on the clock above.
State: 12:15
